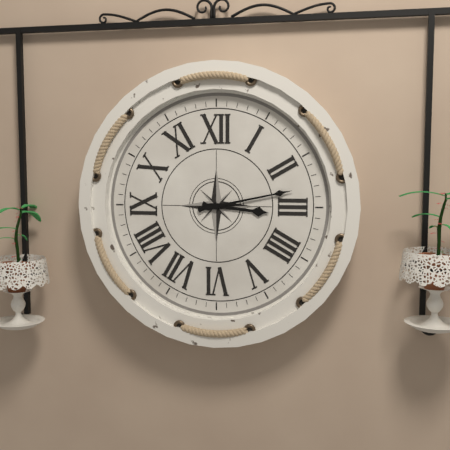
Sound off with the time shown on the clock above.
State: 3:13
